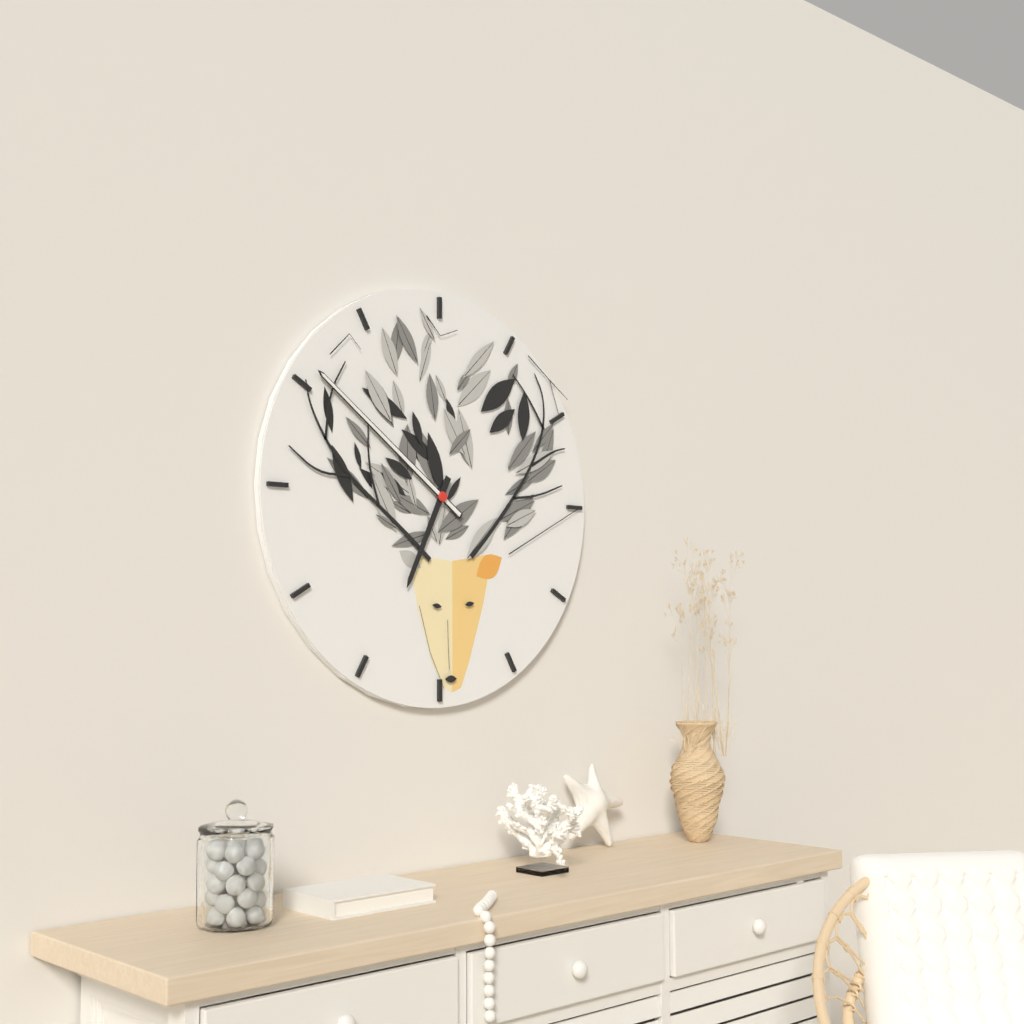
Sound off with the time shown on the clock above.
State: 6:51
